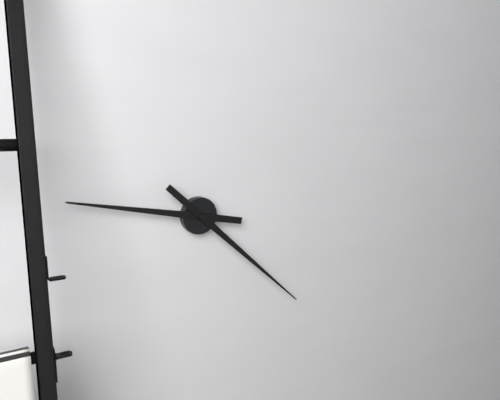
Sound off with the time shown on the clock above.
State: 9:22
